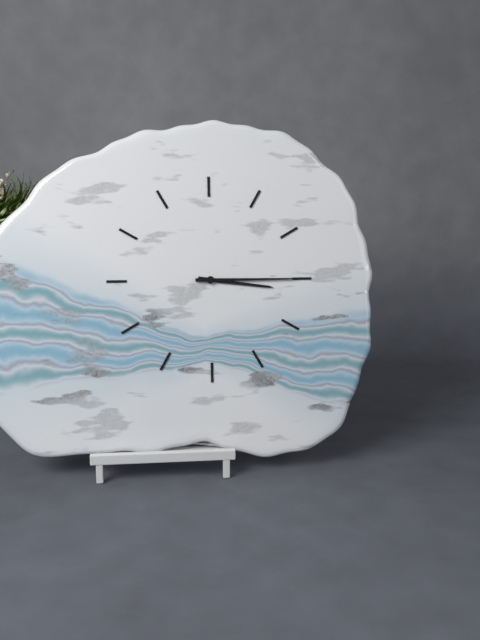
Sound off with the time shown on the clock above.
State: 3:15
